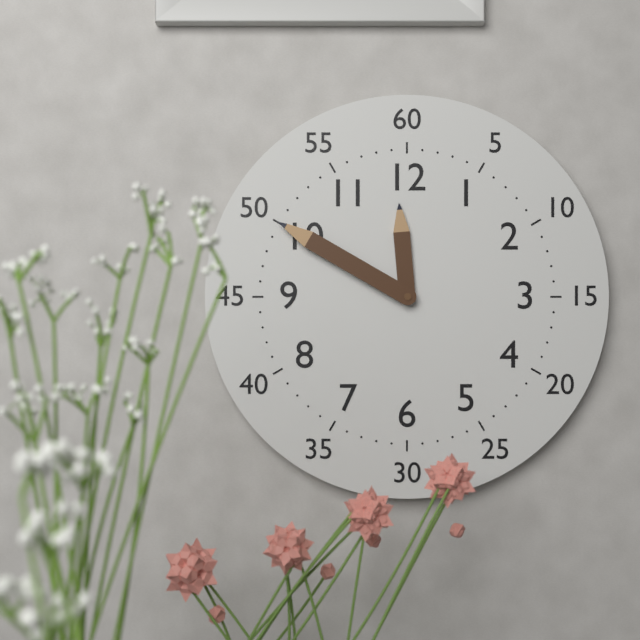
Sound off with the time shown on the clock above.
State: 11:50
